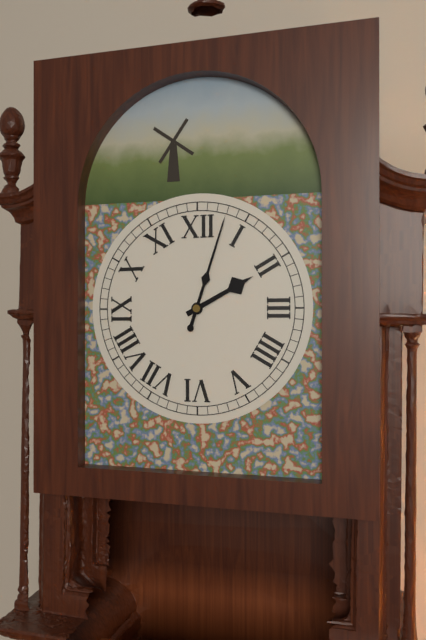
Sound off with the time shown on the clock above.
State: 2:03
